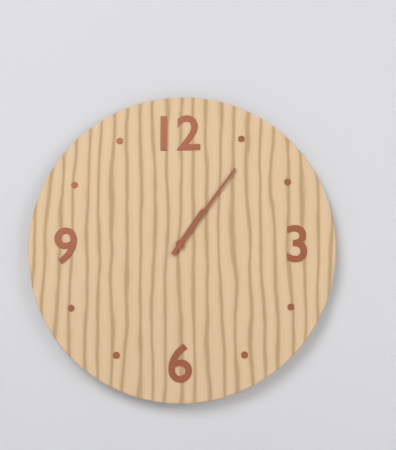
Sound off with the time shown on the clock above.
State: 1:06
